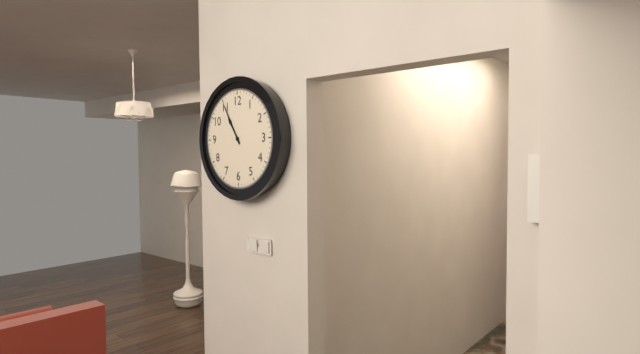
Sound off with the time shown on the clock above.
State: 10:55
